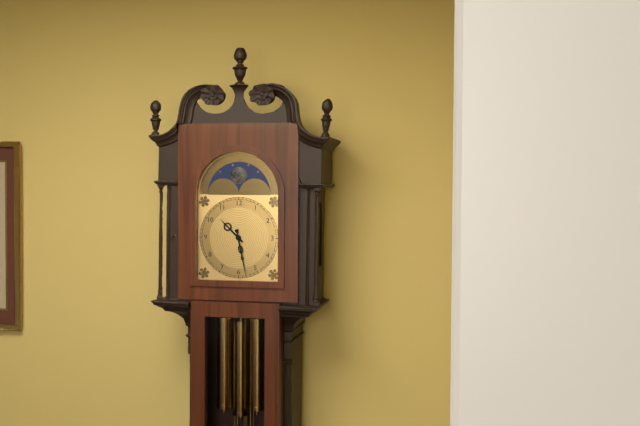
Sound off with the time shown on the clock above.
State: 10:28
